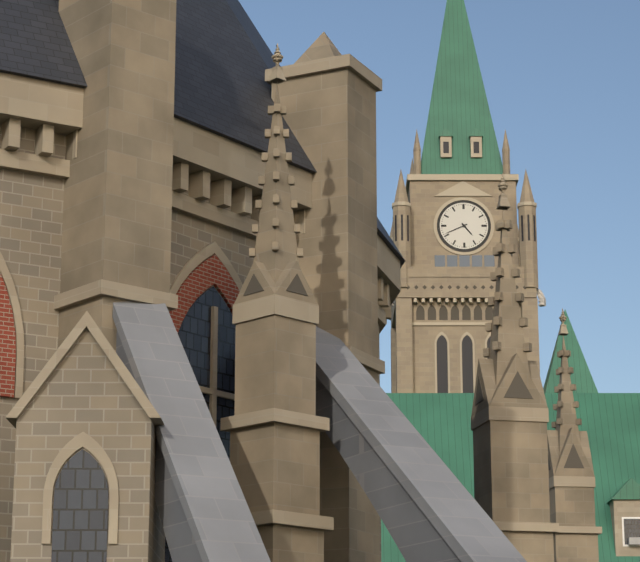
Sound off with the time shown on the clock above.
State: 4:41
